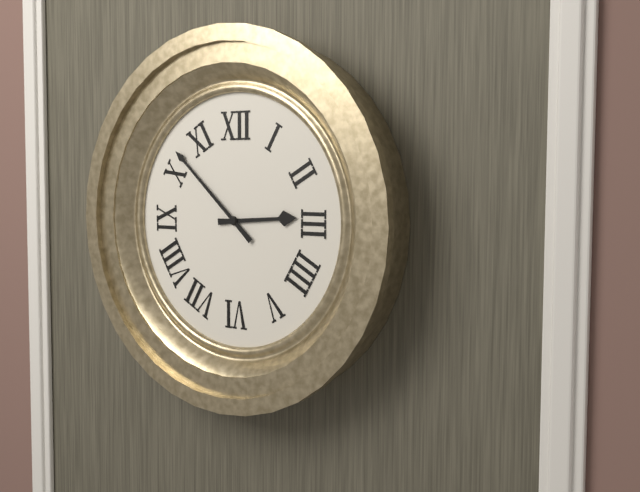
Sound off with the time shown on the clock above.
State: 2:52
